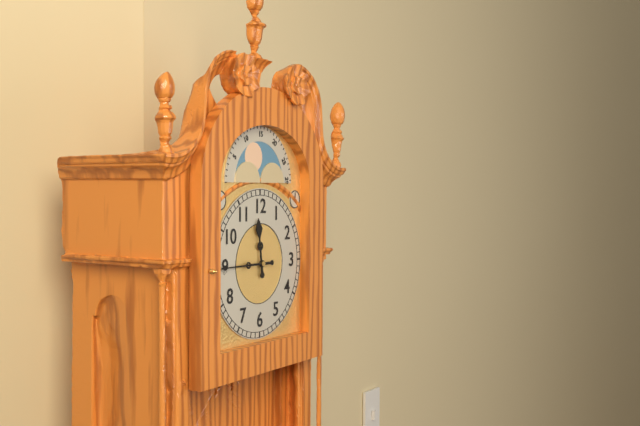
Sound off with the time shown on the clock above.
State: 11:45
